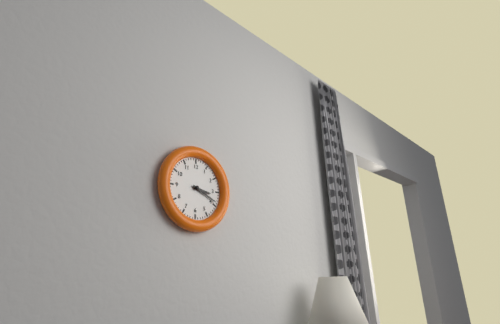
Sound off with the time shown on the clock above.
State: 3:19
